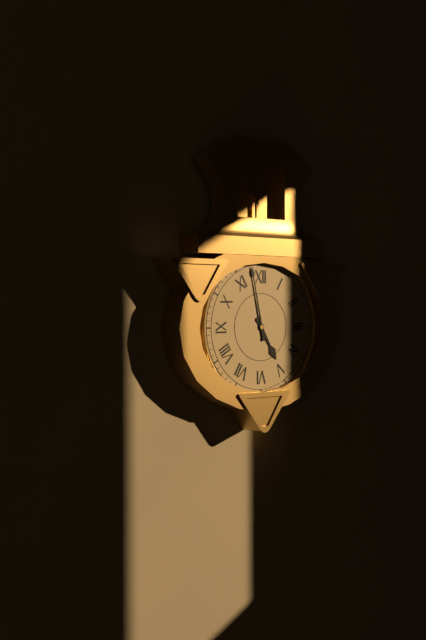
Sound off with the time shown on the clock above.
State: 4:58
